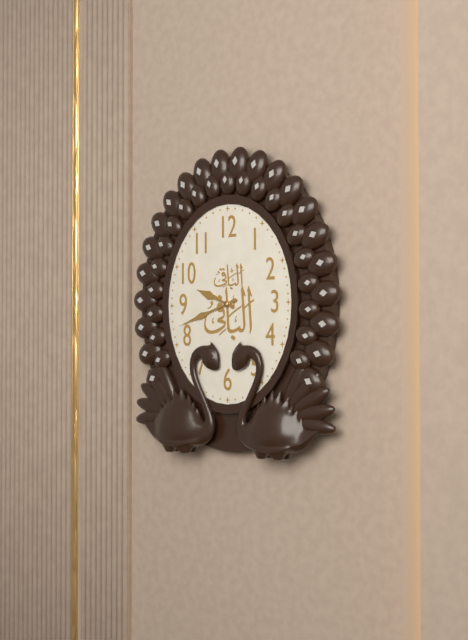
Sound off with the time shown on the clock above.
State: 9:42
